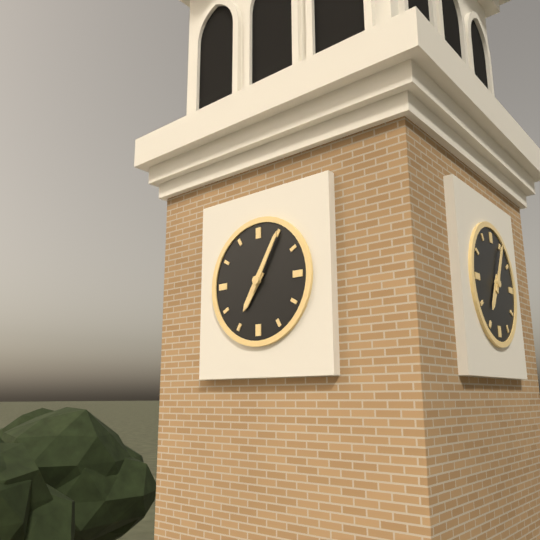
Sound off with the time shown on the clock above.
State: 7:05
